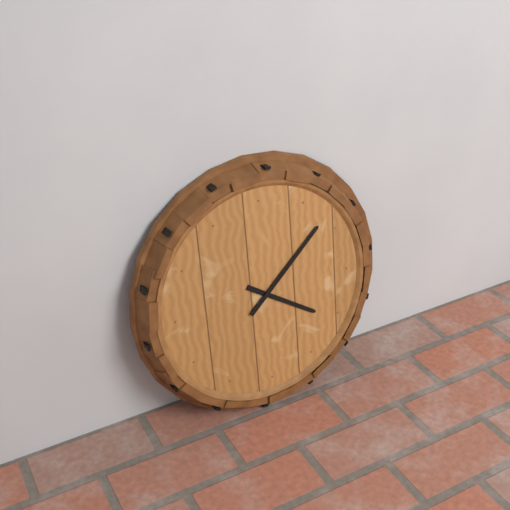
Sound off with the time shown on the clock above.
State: 4:08
